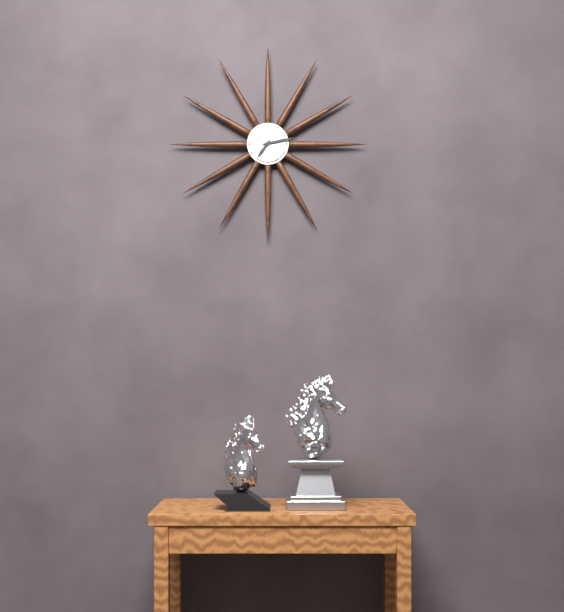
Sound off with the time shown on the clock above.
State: 7:13
